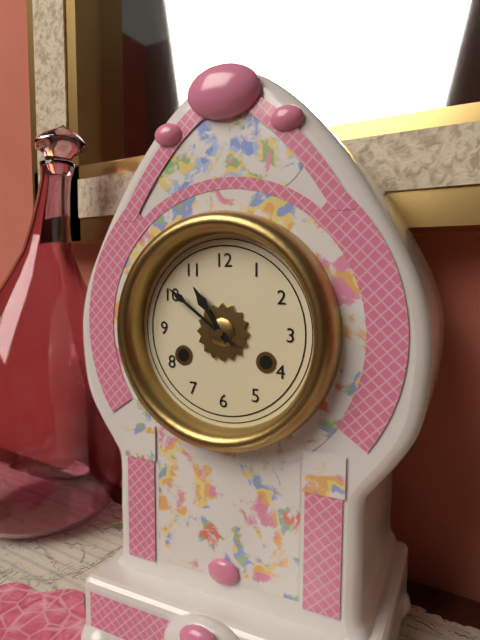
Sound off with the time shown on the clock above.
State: 10:51
